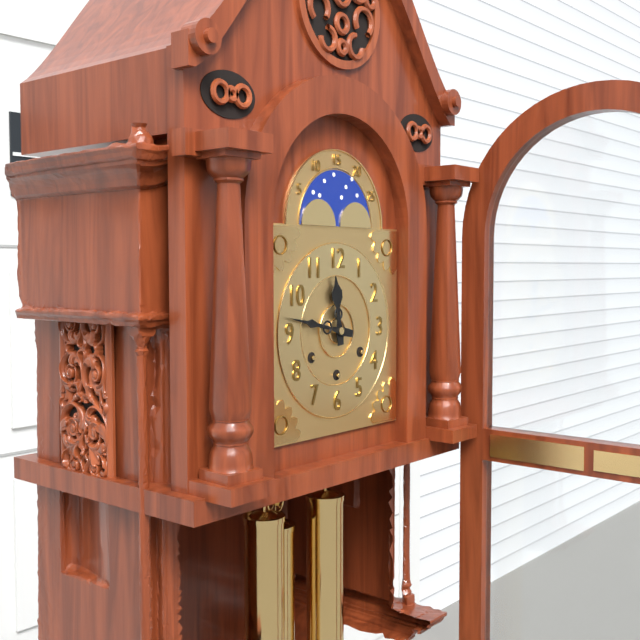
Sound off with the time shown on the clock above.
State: 11:47
